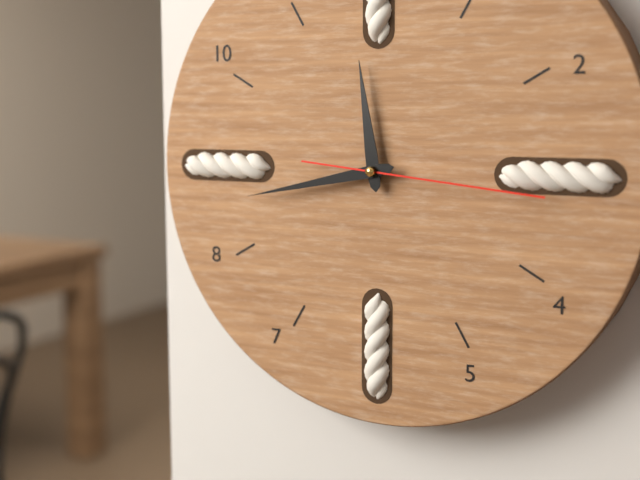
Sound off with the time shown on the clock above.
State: 11:43:16
